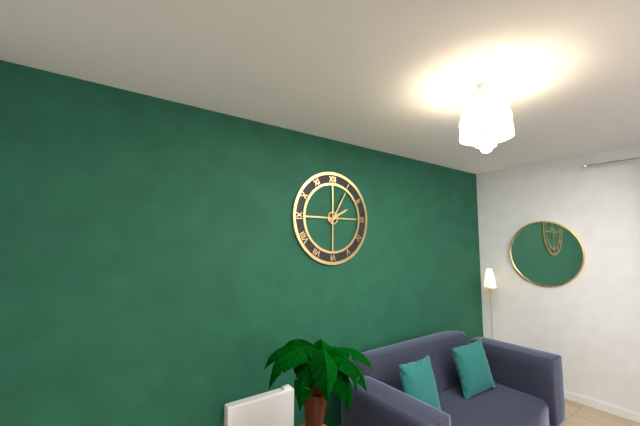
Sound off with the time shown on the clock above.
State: 2:05
